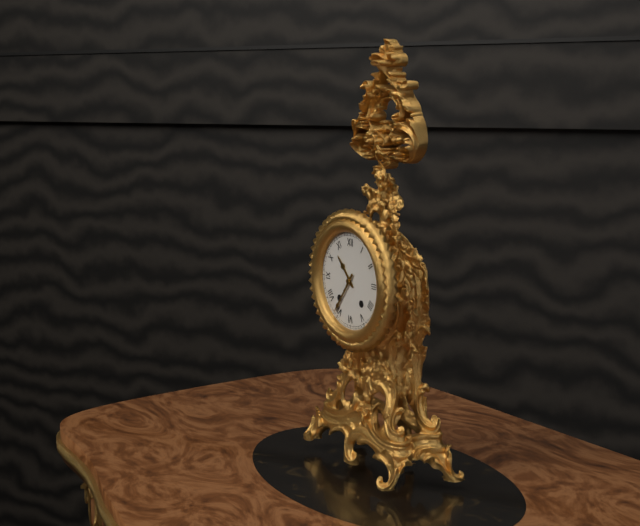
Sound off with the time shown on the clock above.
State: 10:36
